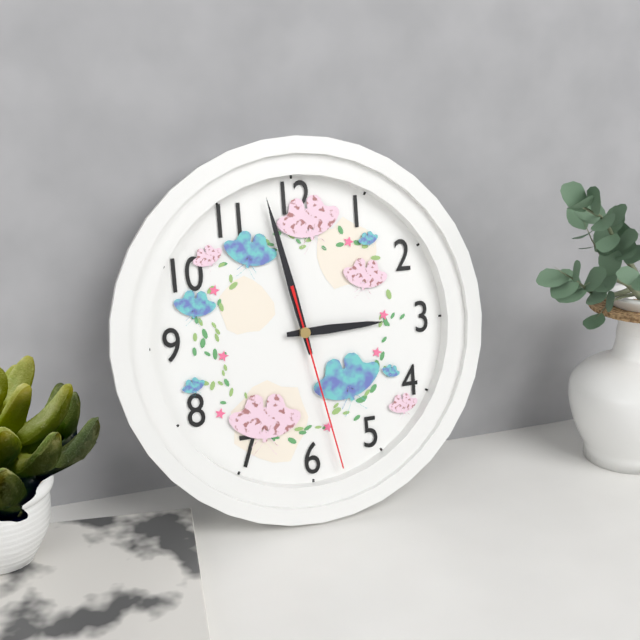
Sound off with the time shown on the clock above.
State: 2:58:28
